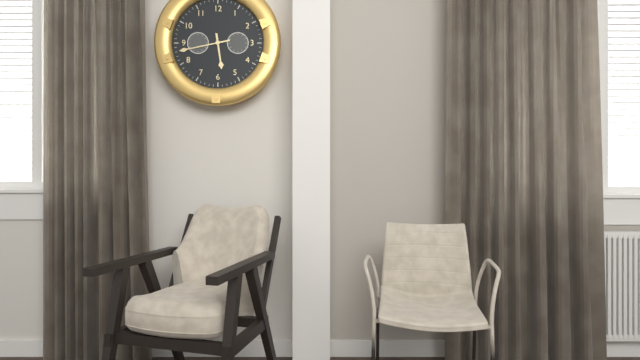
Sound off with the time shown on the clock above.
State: 5:43
